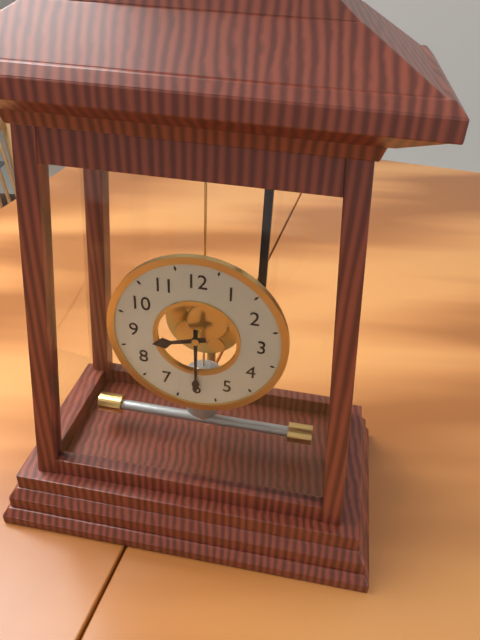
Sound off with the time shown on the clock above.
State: 8:30
